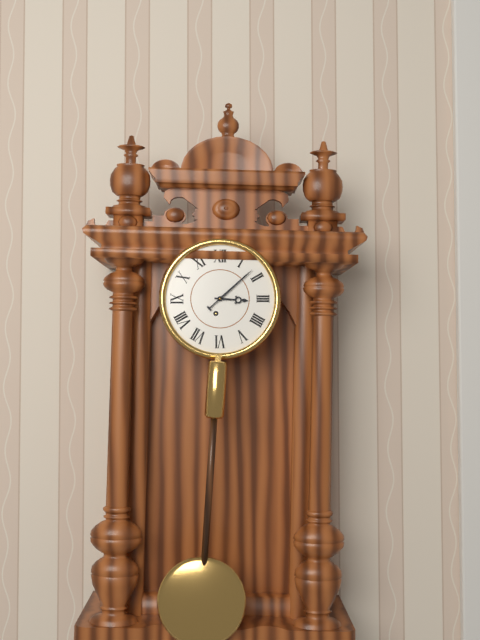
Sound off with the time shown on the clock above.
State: 3:08
